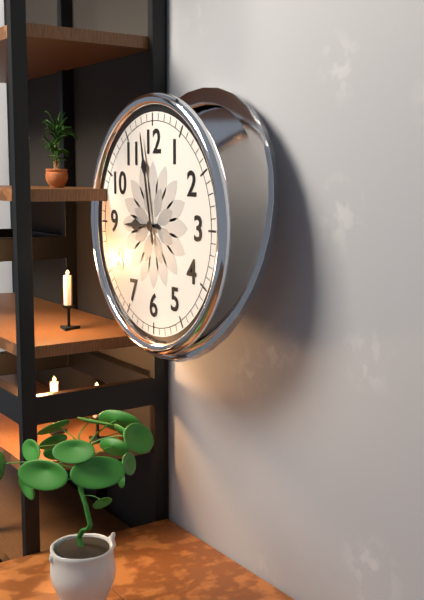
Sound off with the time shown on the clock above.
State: 8:58
